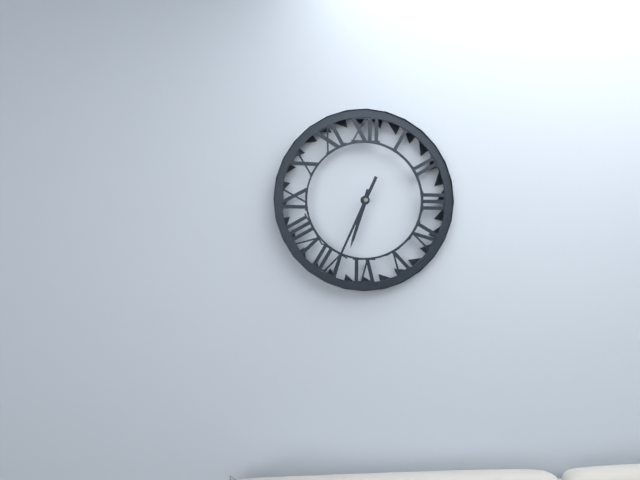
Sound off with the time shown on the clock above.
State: 6:34
